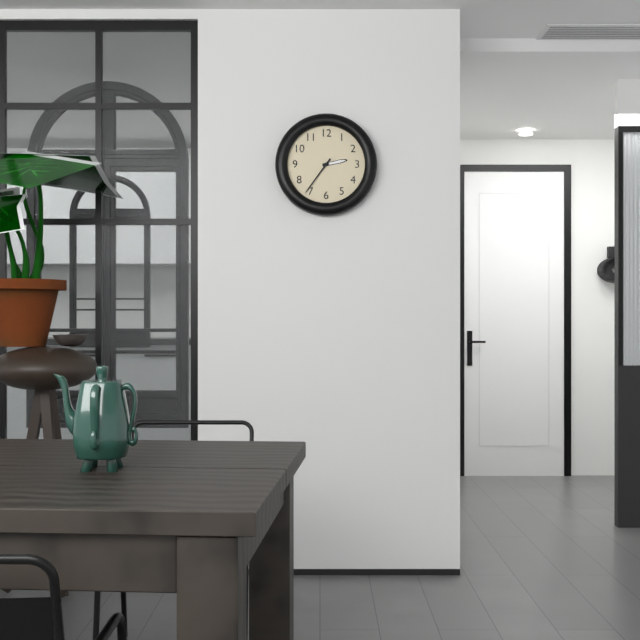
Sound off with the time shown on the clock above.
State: 2:36
